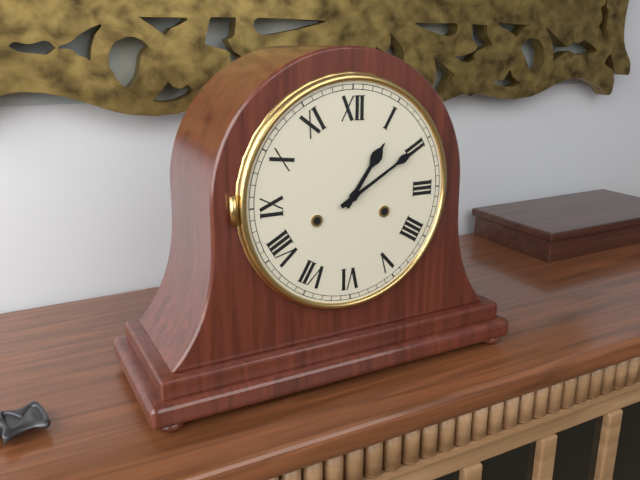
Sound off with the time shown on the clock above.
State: 1:10
